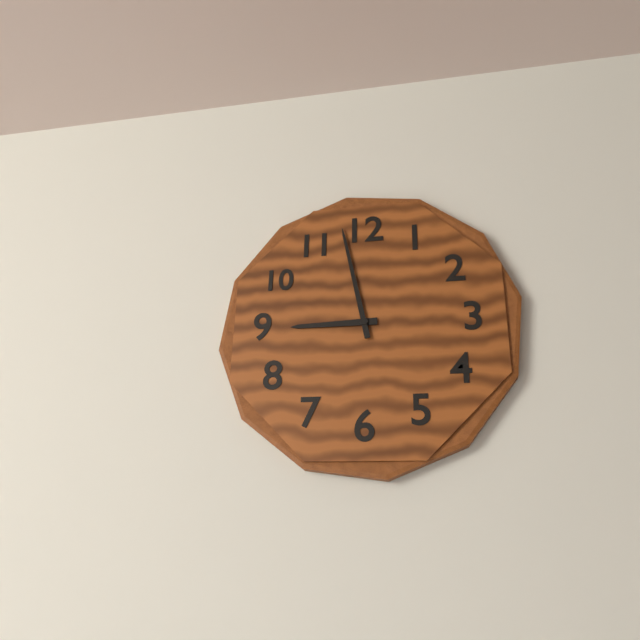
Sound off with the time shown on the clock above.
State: 8:58
